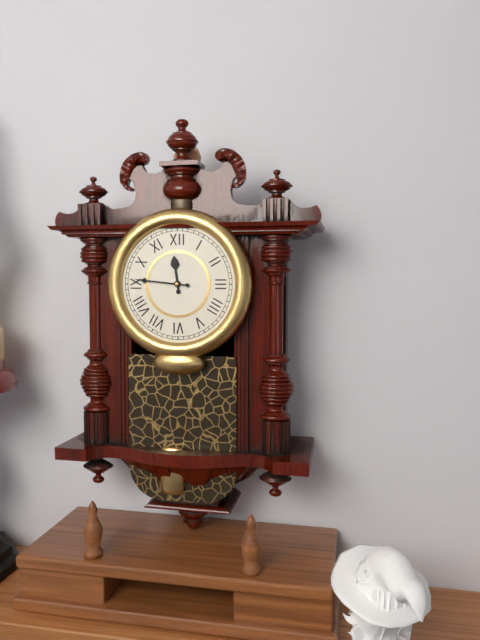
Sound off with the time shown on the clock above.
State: 11:46
